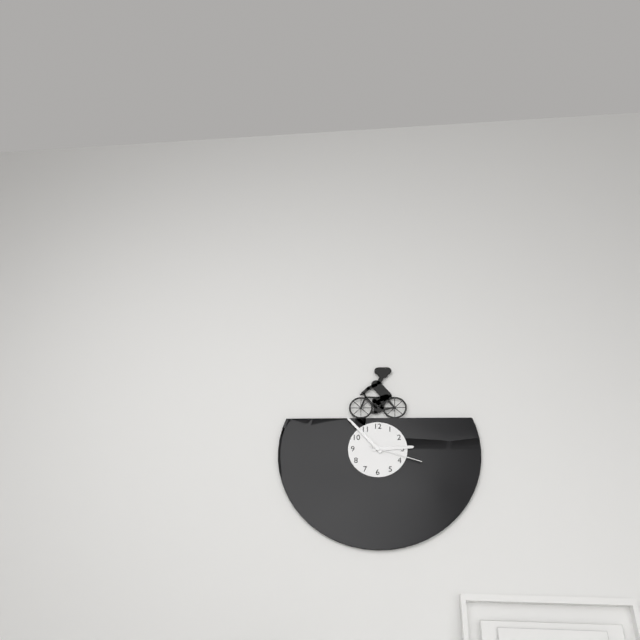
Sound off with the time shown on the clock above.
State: 2:53:18
